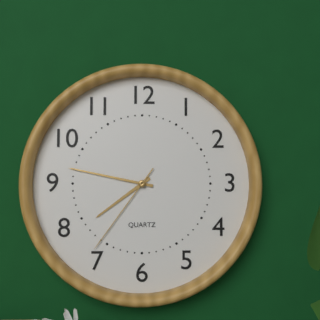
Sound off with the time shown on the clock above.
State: 7:47:36
